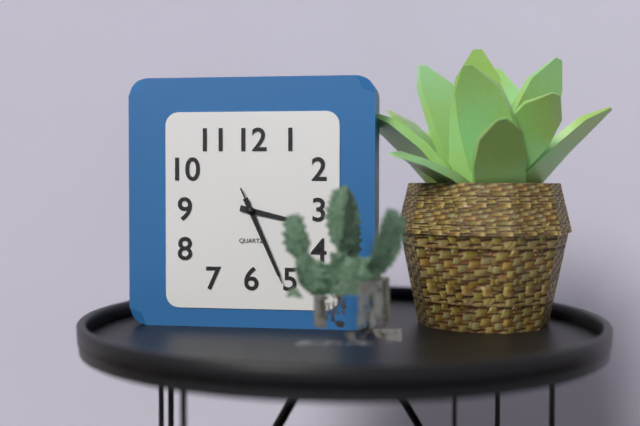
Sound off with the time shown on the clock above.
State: 3:26:26
